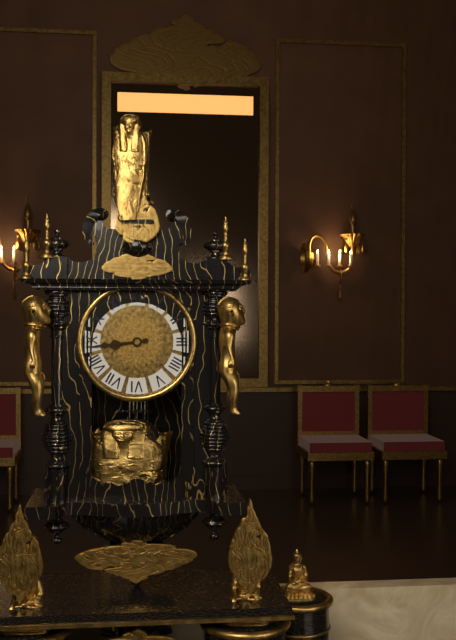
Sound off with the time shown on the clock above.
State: 8:44
